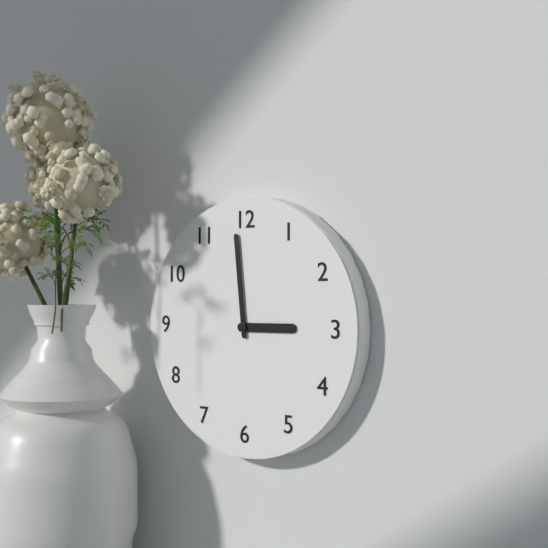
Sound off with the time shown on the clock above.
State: 2:59
